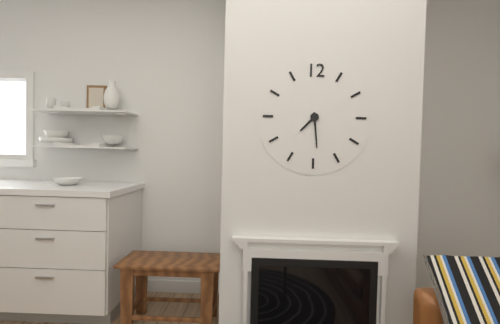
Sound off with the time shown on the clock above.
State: 7:29
